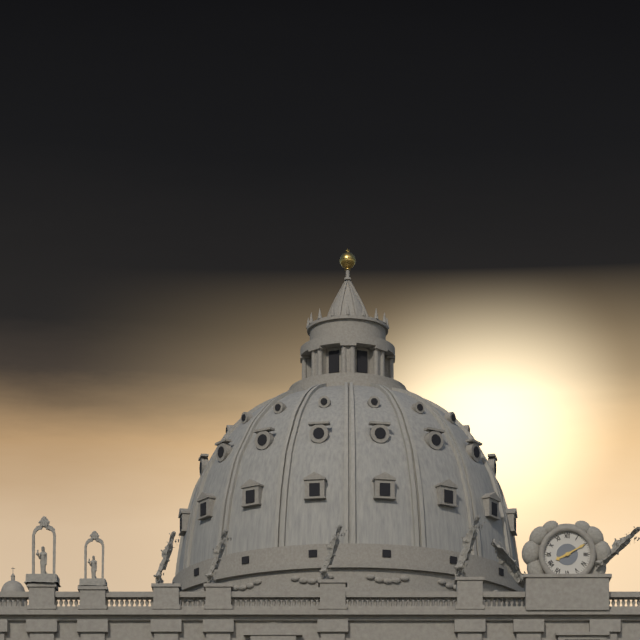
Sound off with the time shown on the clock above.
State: 8:10
